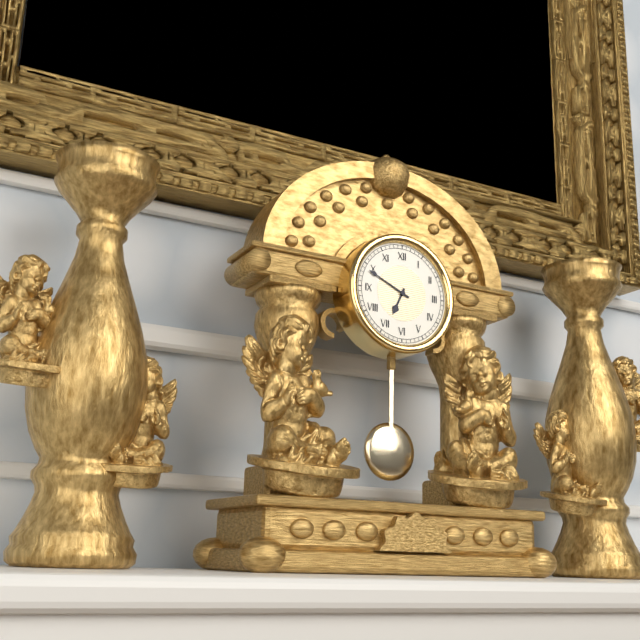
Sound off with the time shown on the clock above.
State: 6:49
